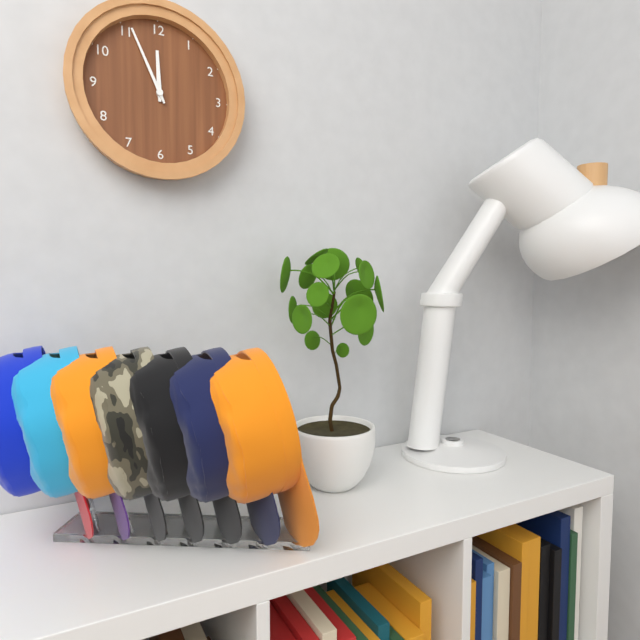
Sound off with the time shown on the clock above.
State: 11:56
